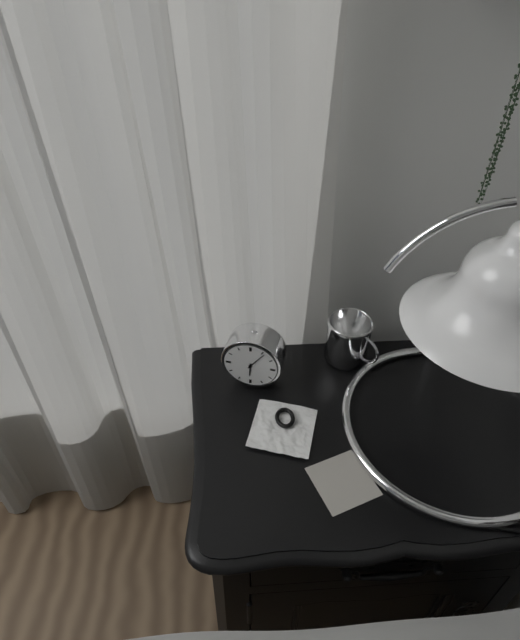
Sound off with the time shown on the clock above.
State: 6:06
